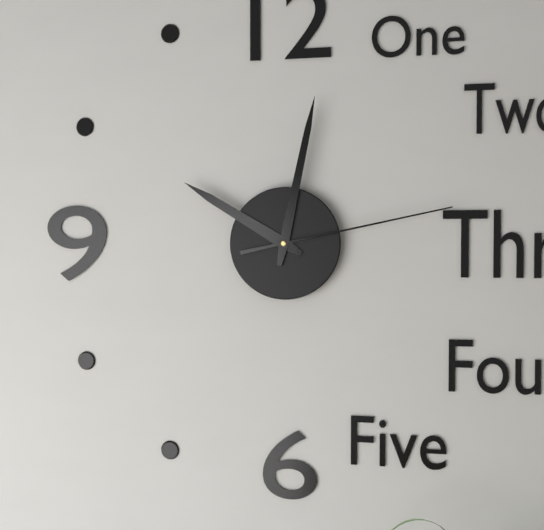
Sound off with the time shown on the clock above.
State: 10:02:13
